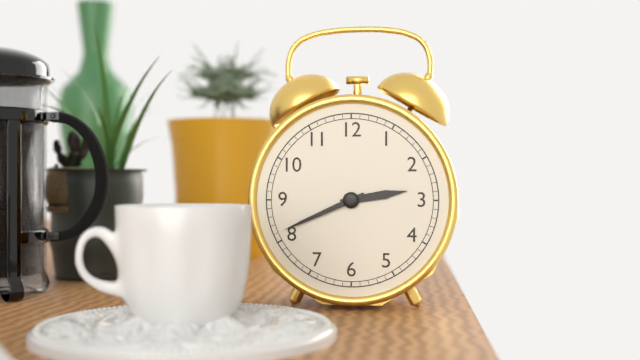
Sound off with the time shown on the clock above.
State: 2:41
